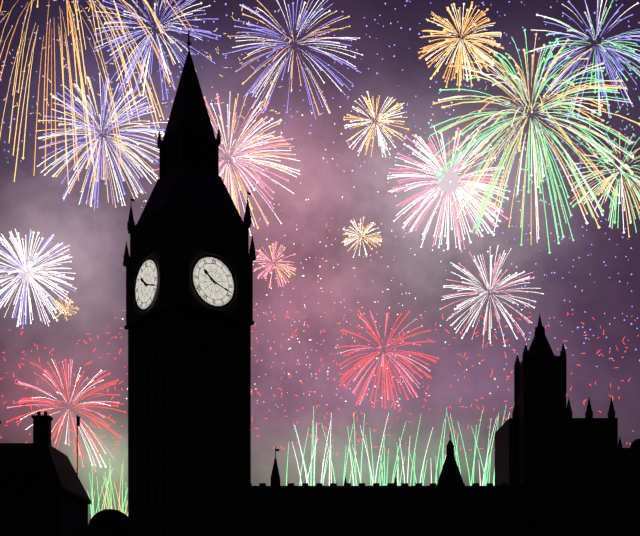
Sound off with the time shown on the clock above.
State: 10:18
